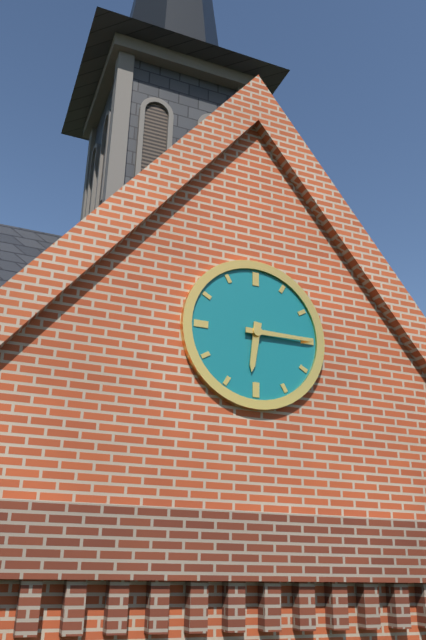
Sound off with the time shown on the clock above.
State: 6:15
